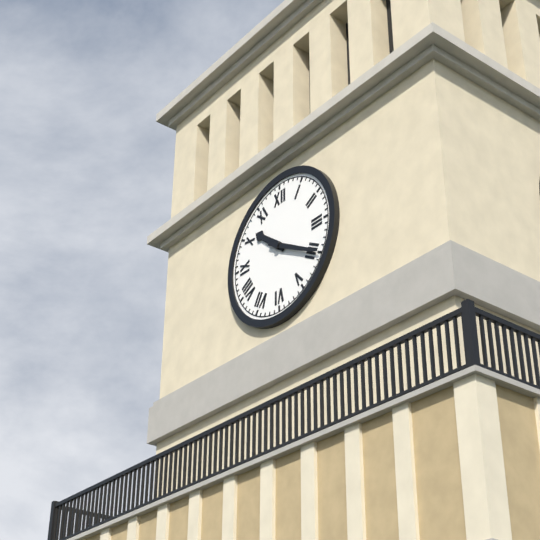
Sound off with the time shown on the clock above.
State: 10:20
